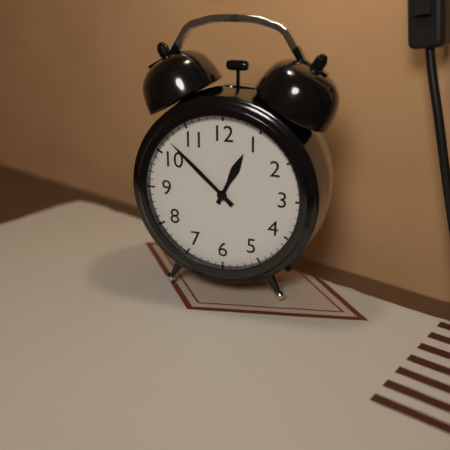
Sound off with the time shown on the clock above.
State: 12:52
